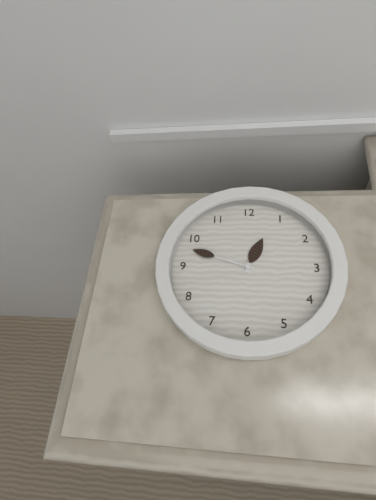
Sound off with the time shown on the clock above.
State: 12:48
